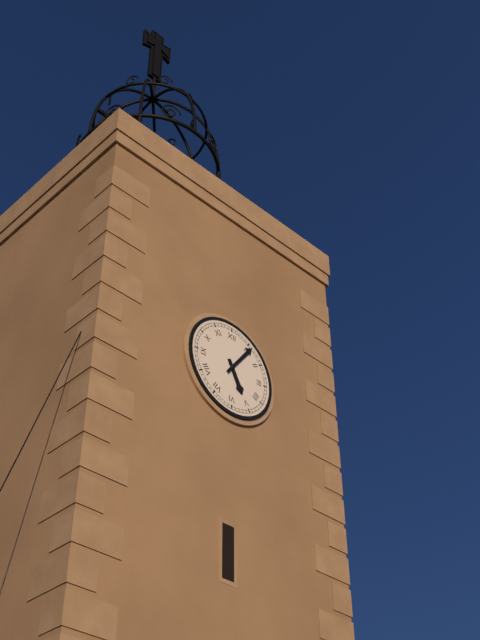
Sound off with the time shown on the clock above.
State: 5:06
